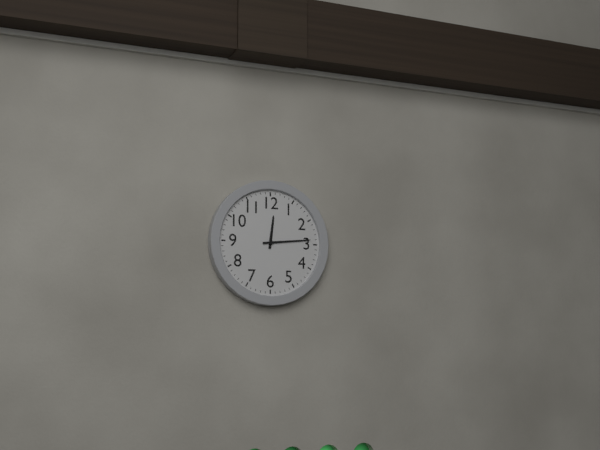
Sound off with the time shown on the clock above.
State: 12:14
